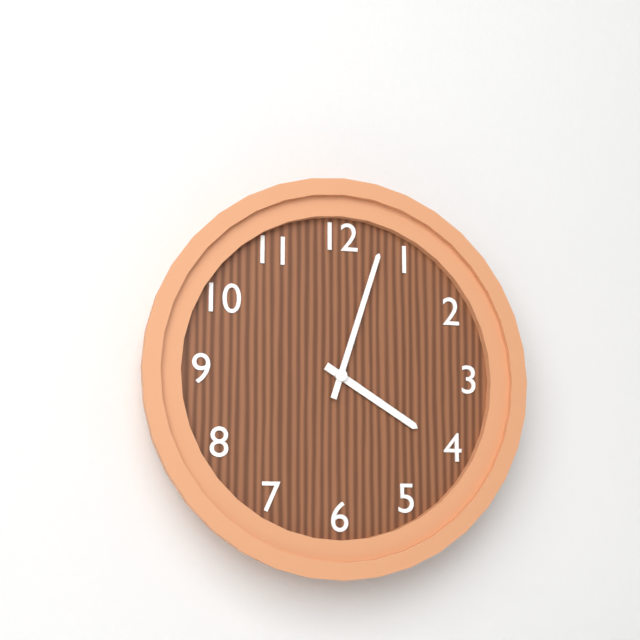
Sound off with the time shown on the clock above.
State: 4:03
